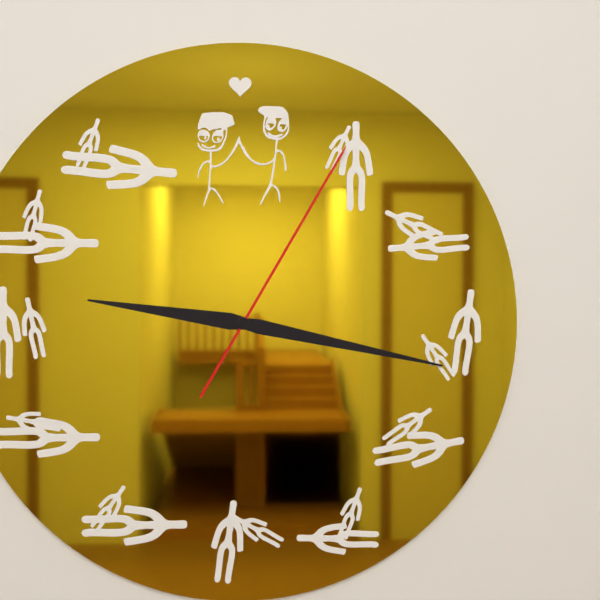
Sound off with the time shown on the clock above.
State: 9:17:05
